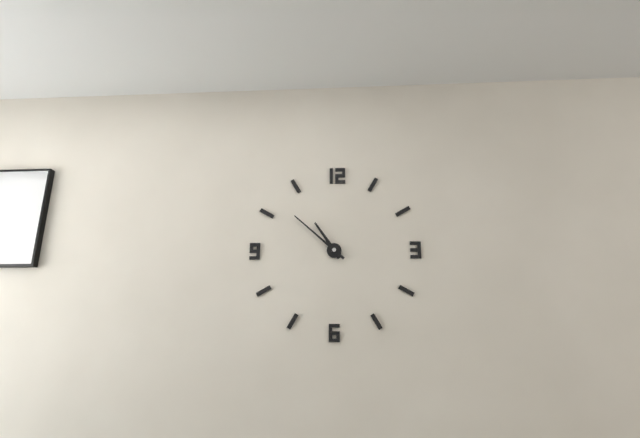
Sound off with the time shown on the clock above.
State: 10:52
